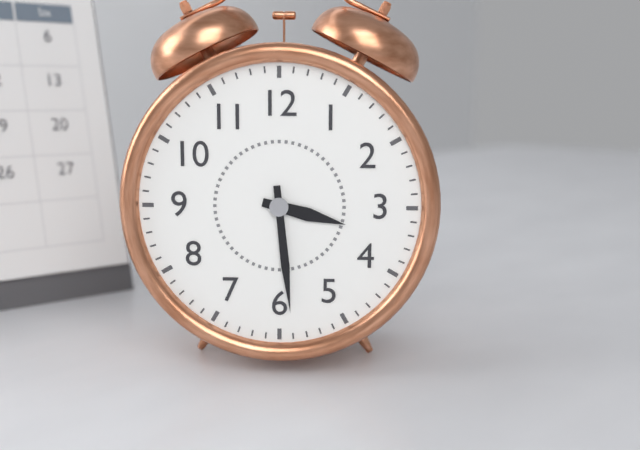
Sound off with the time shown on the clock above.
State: 3:29
